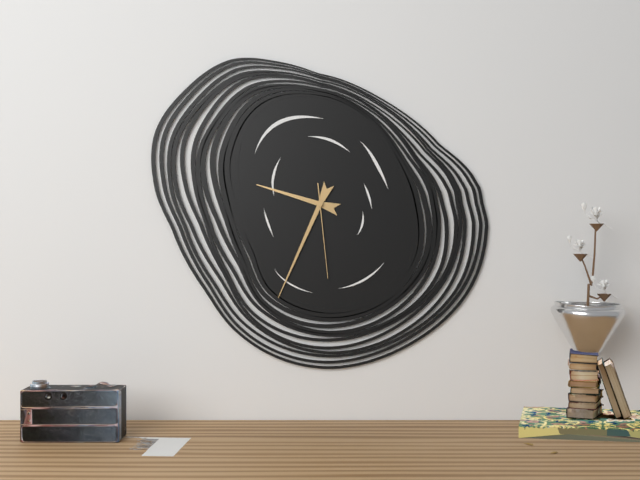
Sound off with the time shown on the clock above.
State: 9:34:29
